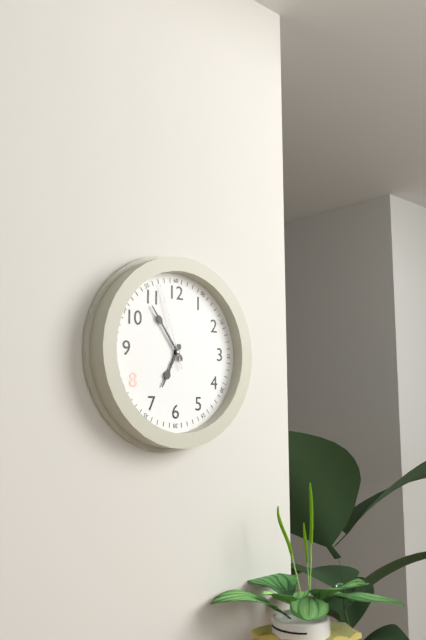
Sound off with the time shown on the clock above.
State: 6:54:57
